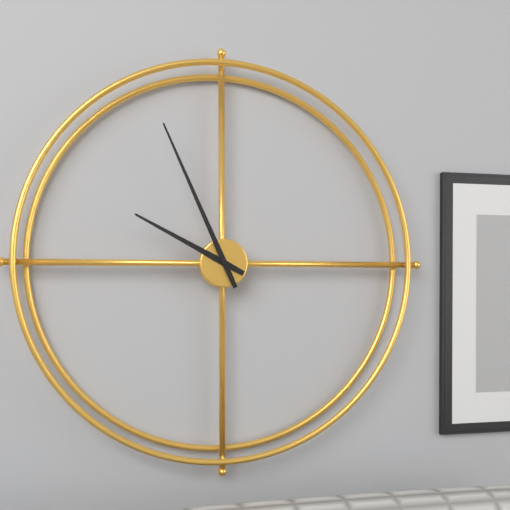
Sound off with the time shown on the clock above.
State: 9:56
